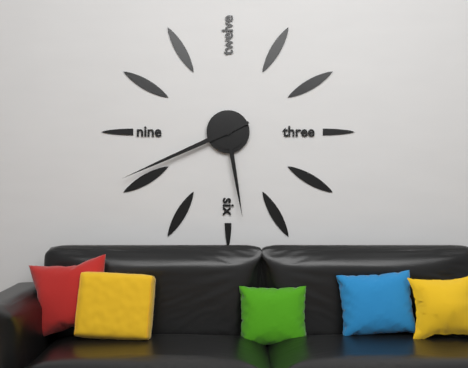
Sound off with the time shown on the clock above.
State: 5:41
